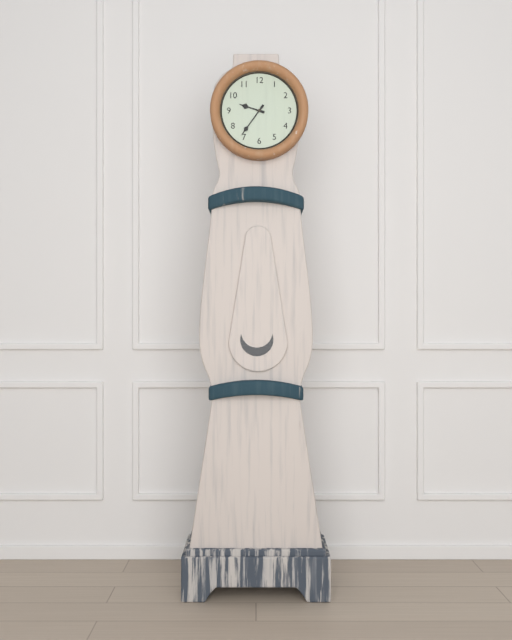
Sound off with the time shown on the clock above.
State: 9:36
